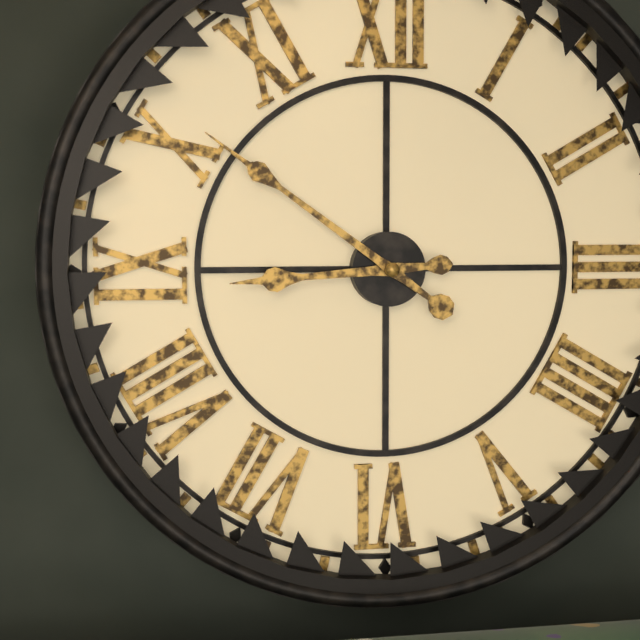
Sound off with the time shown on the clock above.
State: 8:51
